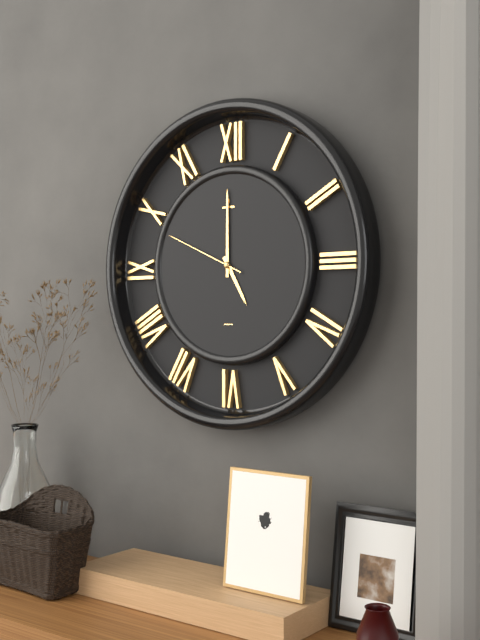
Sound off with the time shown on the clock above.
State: 5:00:49
